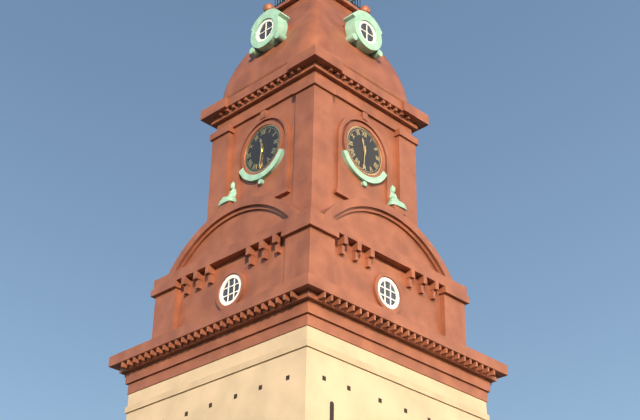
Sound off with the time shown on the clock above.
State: 11:31
